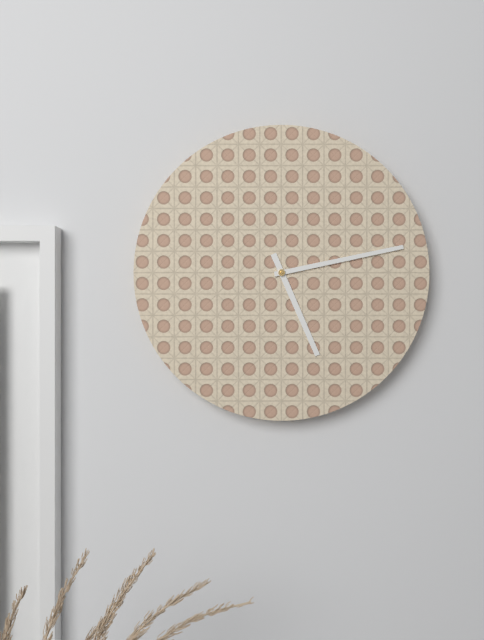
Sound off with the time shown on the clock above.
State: 5:13
